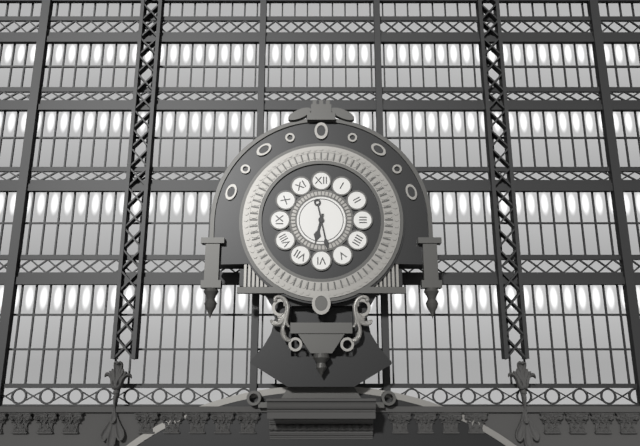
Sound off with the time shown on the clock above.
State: 6:28
